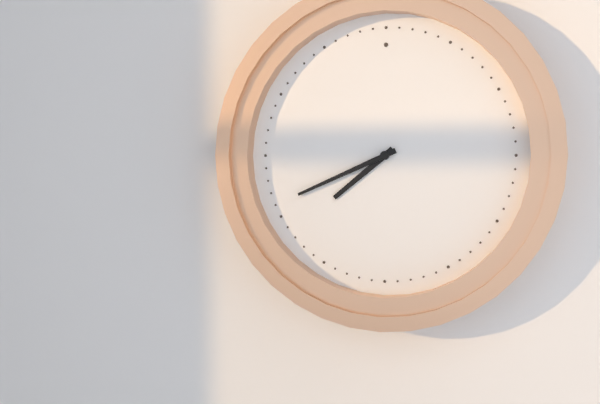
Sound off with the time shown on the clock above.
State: 7:41
